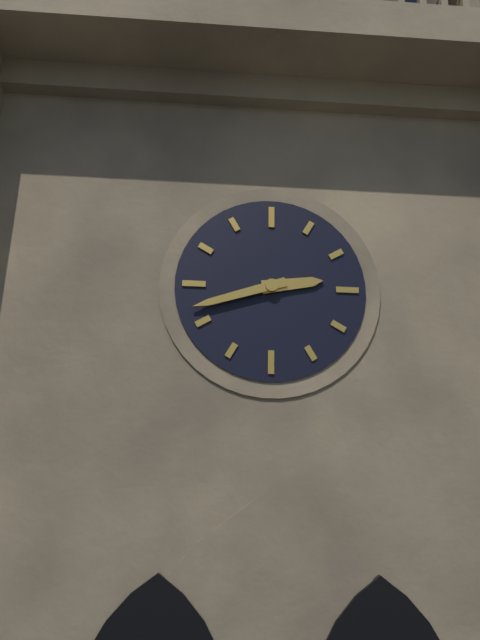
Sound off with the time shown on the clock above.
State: 2:42
